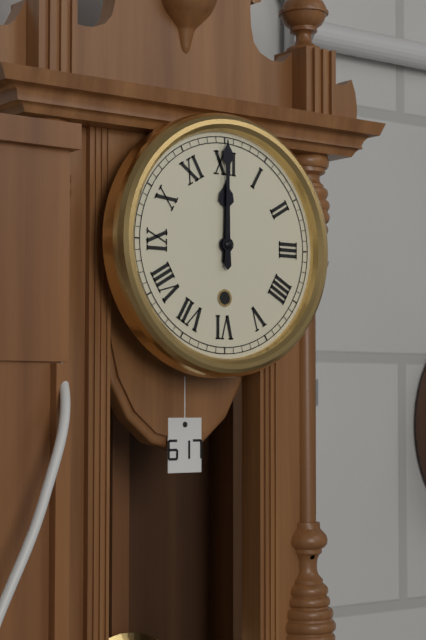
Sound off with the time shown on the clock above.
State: 12:00
